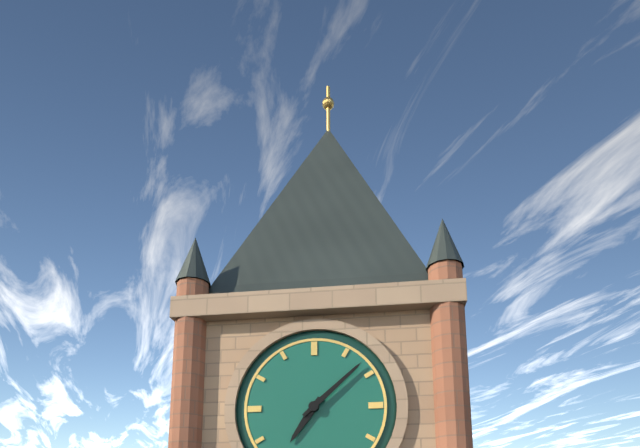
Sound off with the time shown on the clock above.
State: 7:08
